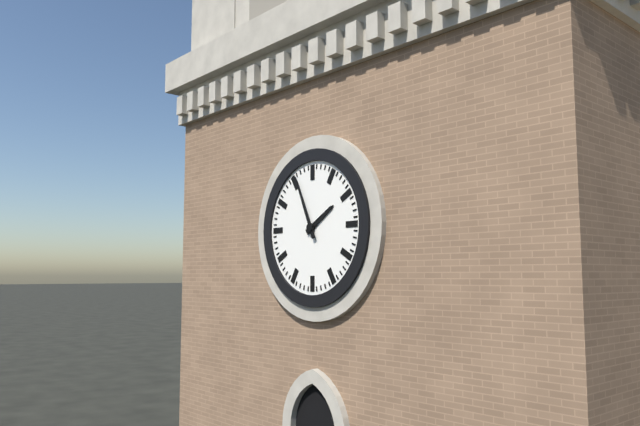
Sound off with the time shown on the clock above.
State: 1:56
